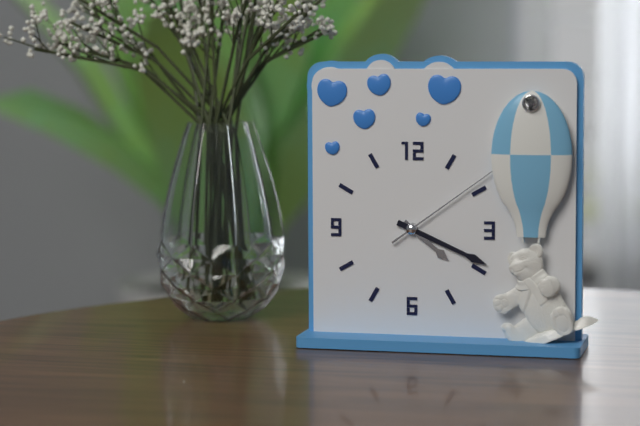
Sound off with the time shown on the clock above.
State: 4:19:09
